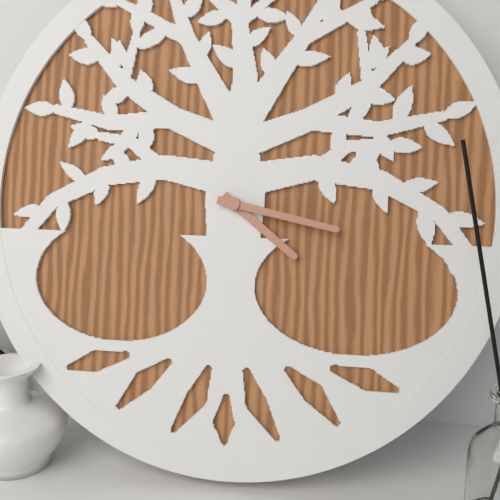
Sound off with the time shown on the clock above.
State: 4:17
